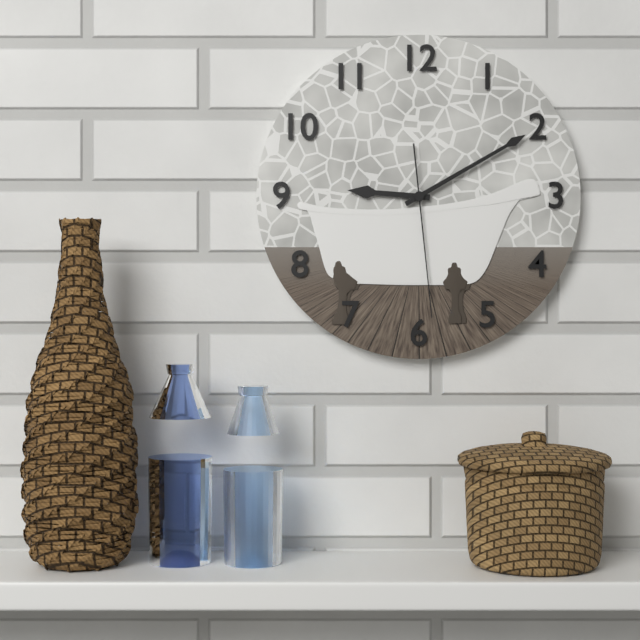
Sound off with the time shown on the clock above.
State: 9:10:29
